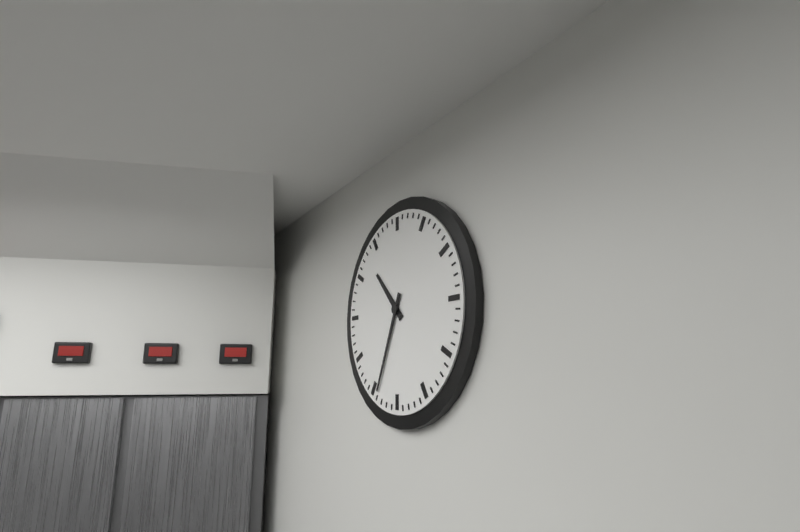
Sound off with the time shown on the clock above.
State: 10:34
